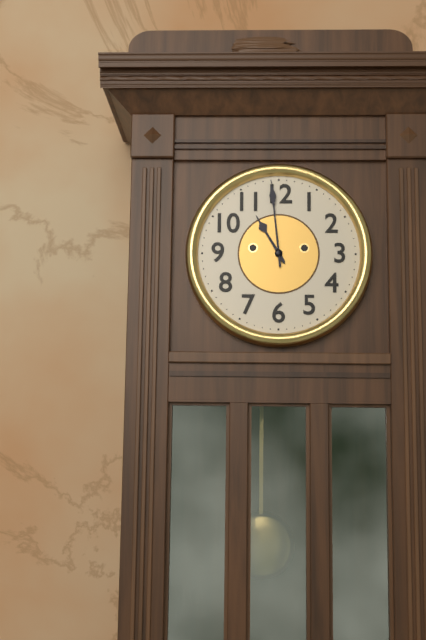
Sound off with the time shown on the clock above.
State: 10:59
